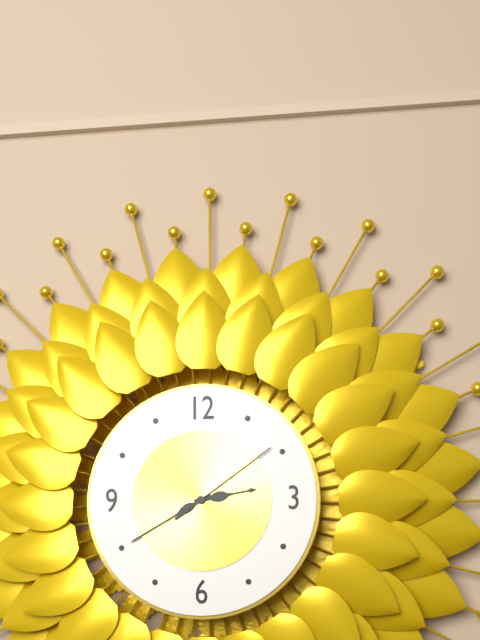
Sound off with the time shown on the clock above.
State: 2:40:09
